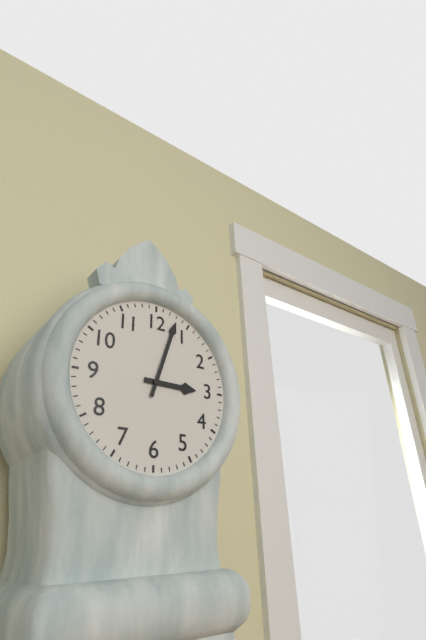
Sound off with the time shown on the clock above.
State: 3:03
